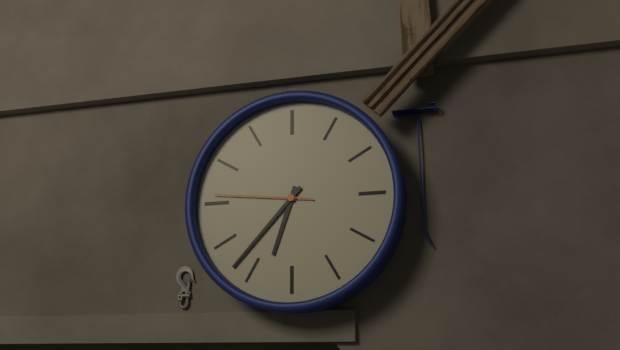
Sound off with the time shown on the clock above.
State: 6:37:46
